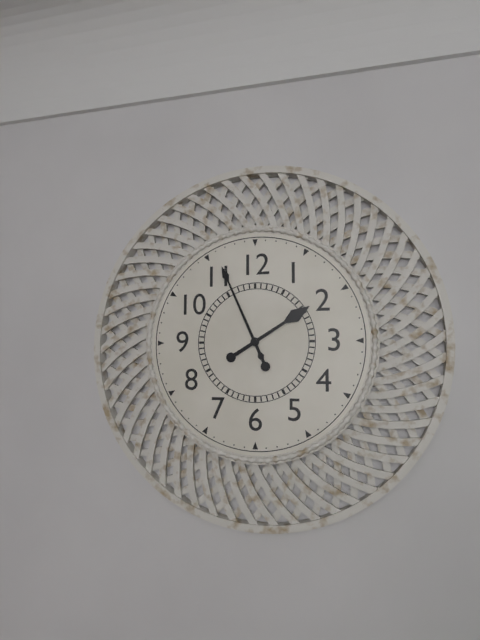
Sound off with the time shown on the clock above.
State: 1:56
